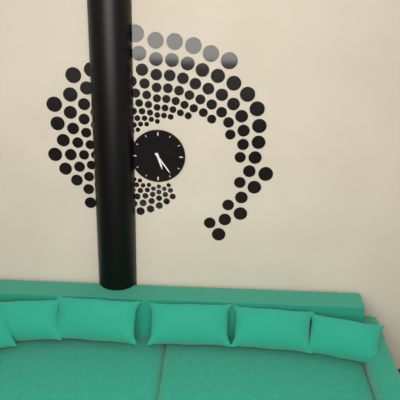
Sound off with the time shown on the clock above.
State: 5:24
